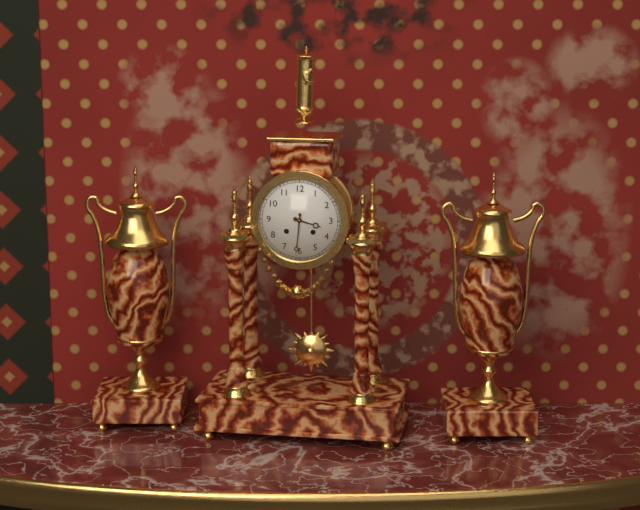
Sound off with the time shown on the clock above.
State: 3:31
